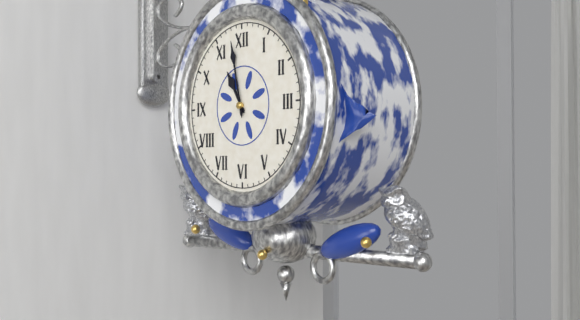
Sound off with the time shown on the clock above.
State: 10:58
